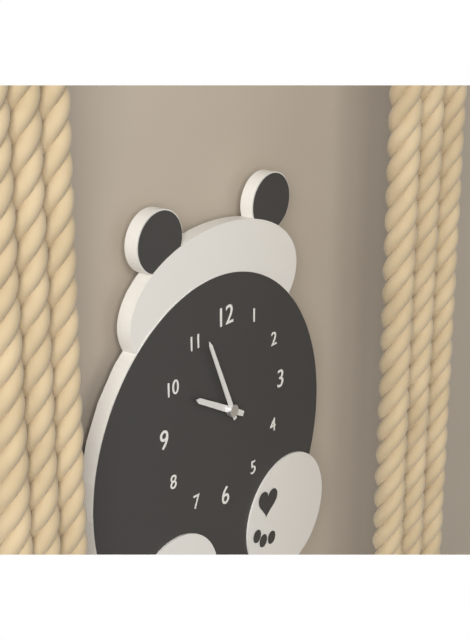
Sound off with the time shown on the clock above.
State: 9:56
